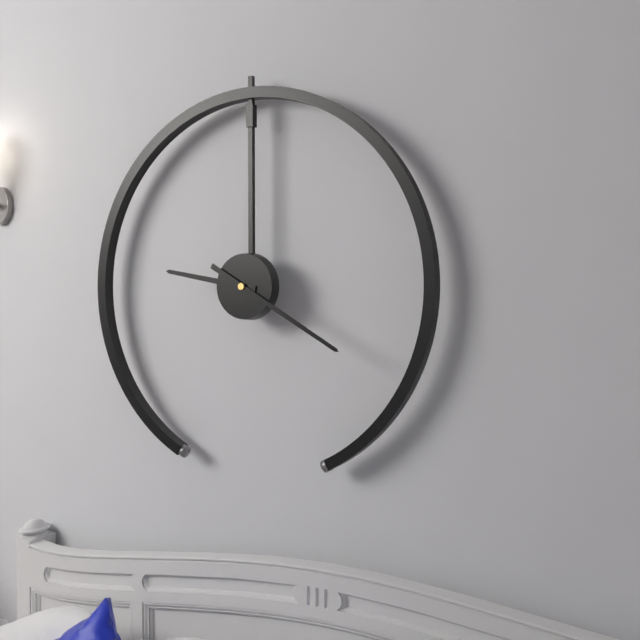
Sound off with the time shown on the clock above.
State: 9:20
